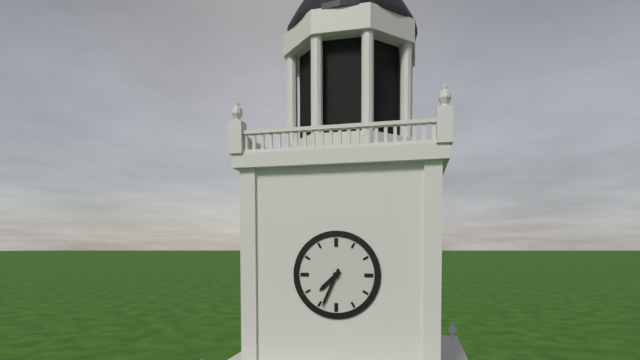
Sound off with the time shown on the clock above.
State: 7:34
